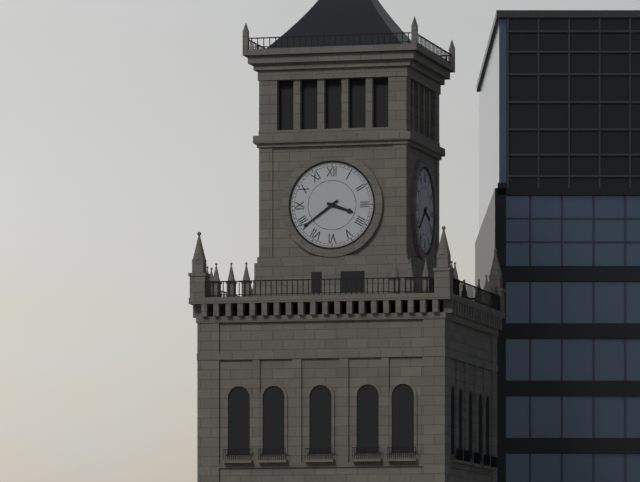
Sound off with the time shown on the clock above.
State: 3:39
